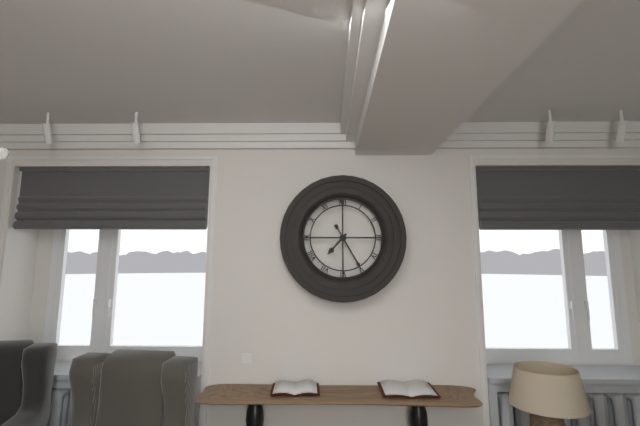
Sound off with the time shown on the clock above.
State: 7:25
